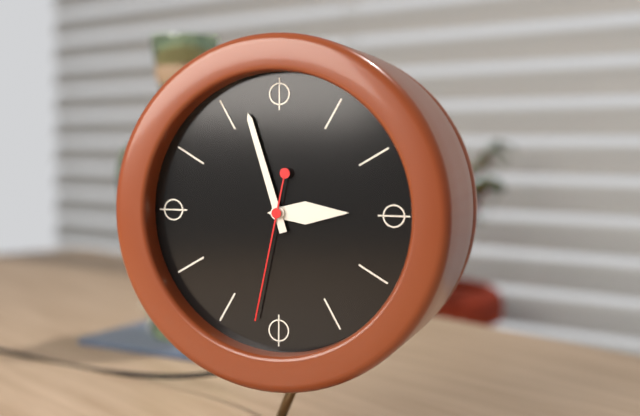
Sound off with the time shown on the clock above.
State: 2:57:32
